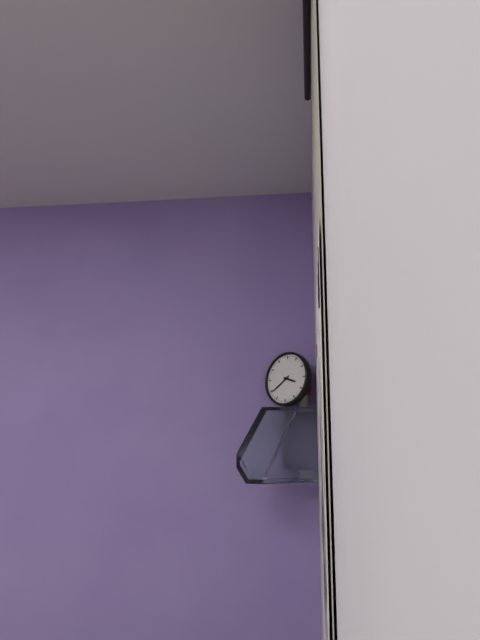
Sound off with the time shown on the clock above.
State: 3:39
